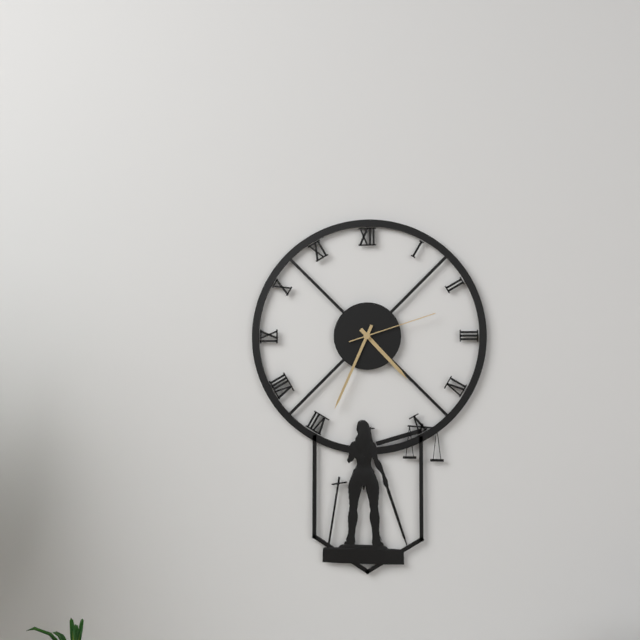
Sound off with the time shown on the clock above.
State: 4:34:12
